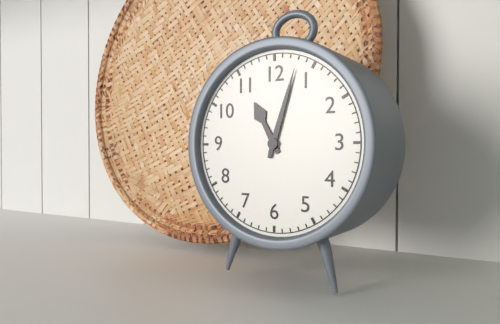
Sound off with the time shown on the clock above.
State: 11:03
